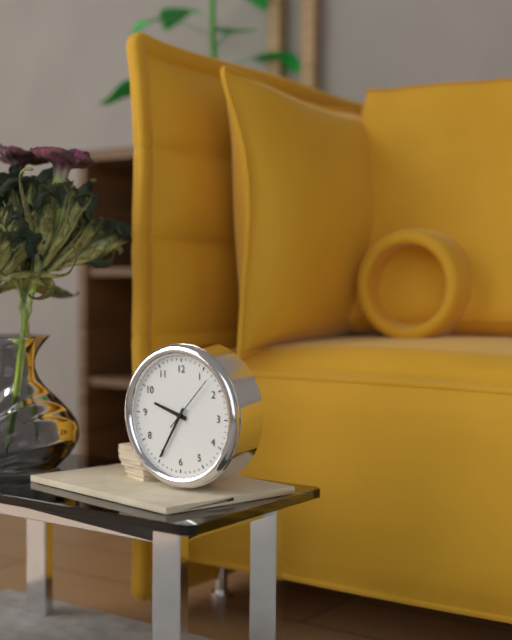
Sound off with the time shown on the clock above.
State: 9:35:07
